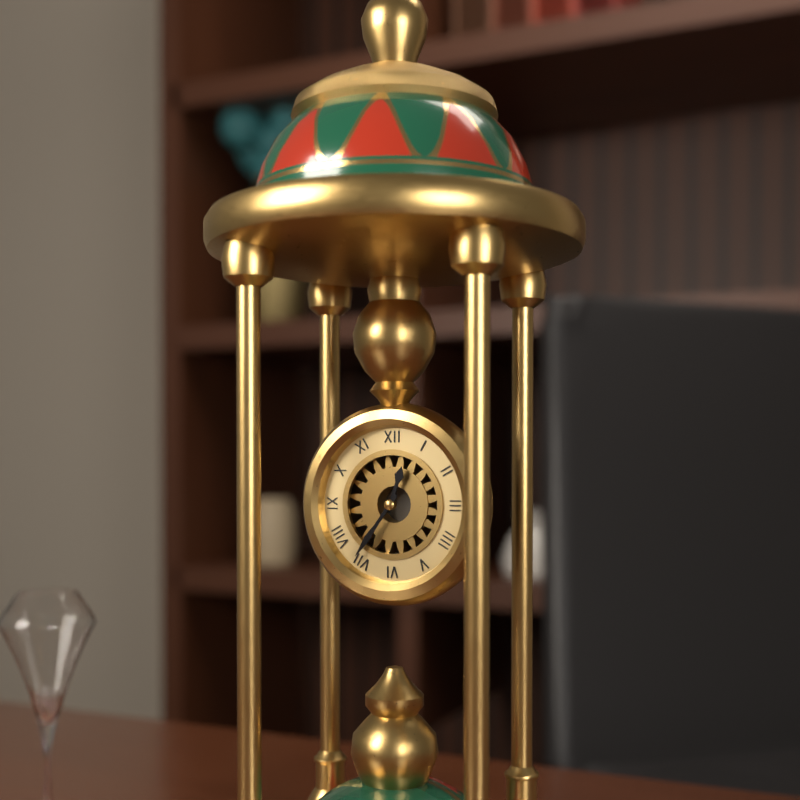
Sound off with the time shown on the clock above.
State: 12:36
